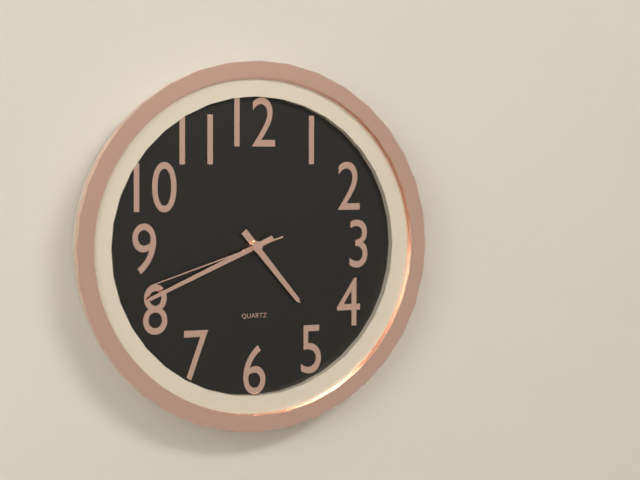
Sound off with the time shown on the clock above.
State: 4:41:42
